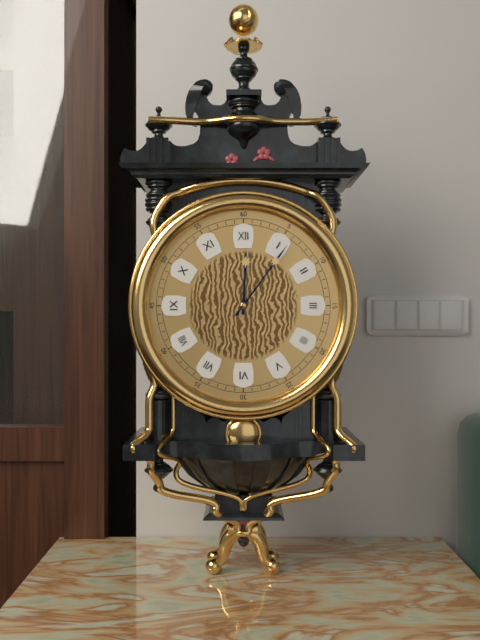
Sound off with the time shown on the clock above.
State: 12:06
